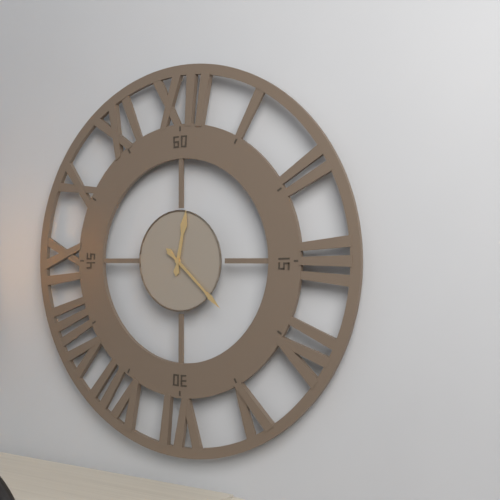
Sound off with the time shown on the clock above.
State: 12:22
